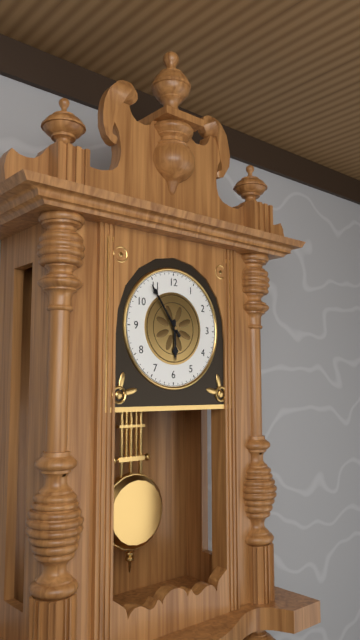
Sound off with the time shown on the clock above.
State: 5:54
